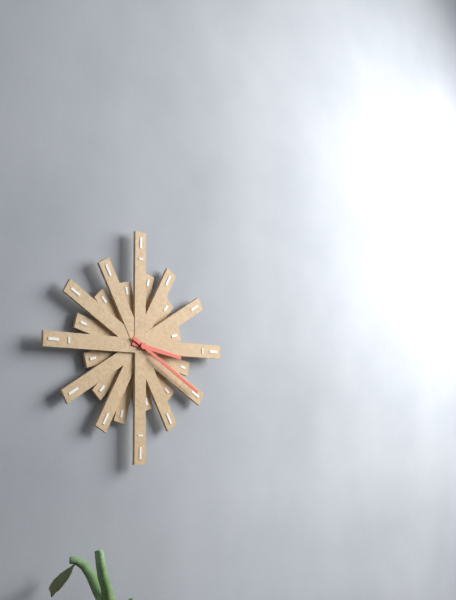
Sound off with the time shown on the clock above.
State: 3:20
